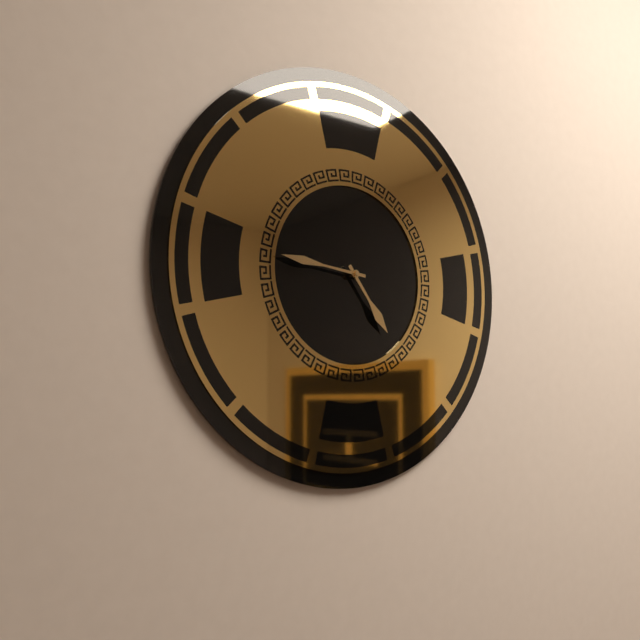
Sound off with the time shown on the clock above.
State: 4:46
